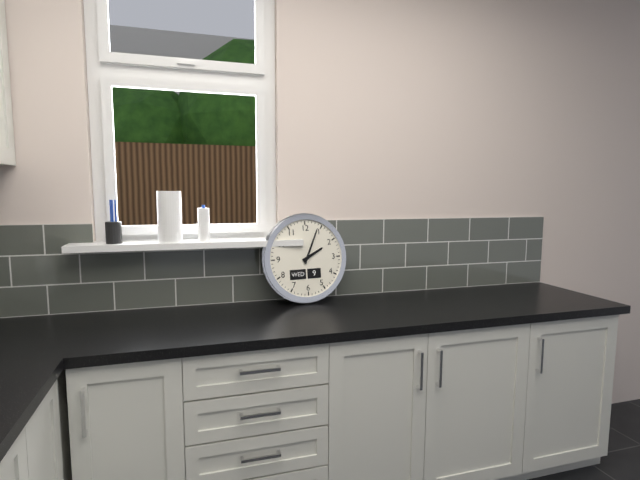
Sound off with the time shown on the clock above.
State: 2:04
